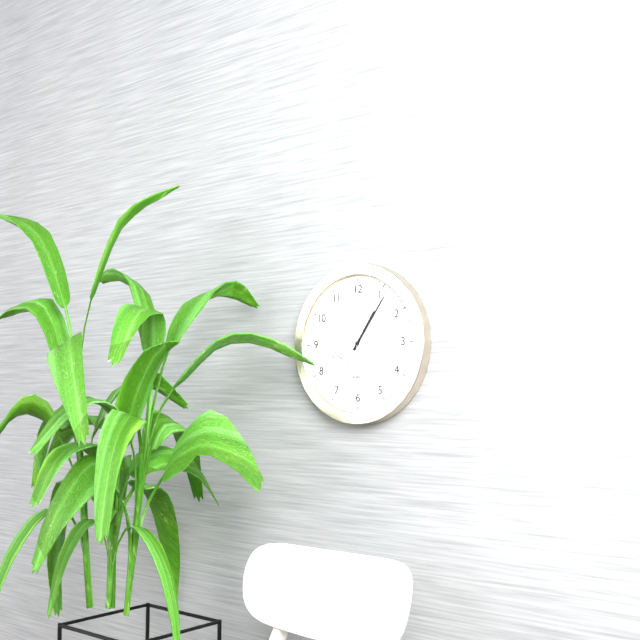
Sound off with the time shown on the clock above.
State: 1:06:31
